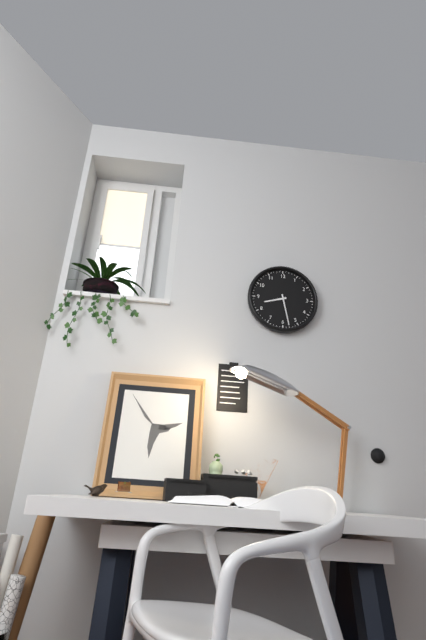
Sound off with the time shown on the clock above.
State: 8:28
